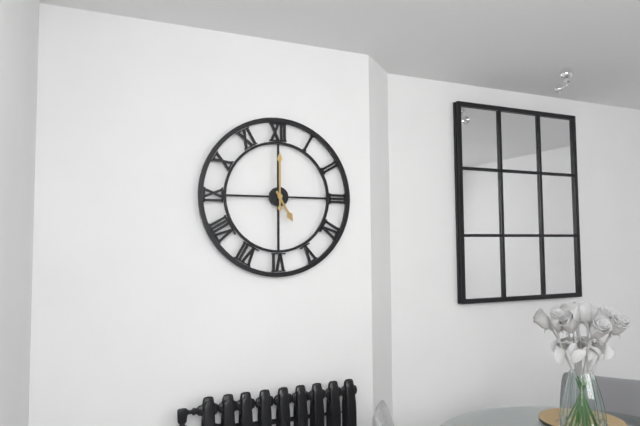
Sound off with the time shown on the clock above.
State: 5:00
